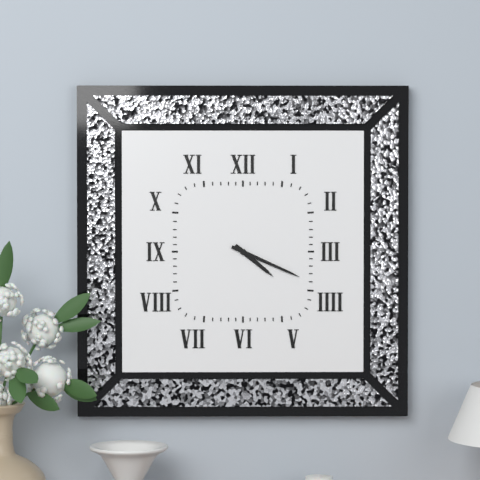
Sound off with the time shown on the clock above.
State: 4:19
